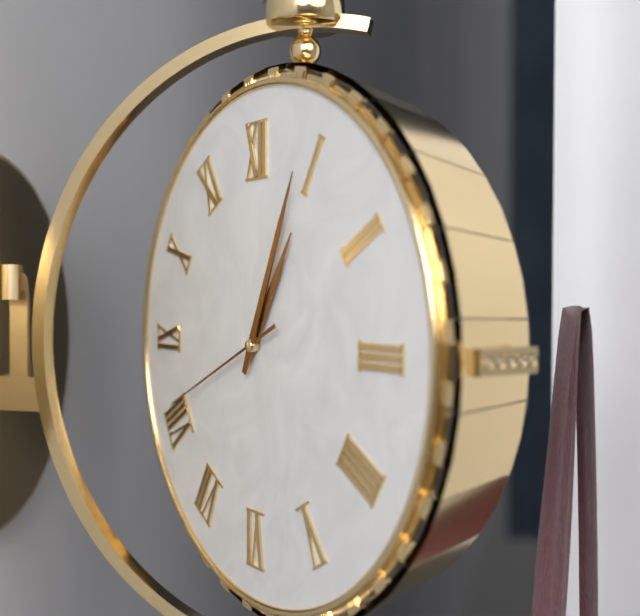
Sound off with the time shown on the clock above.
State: 1:04:41
